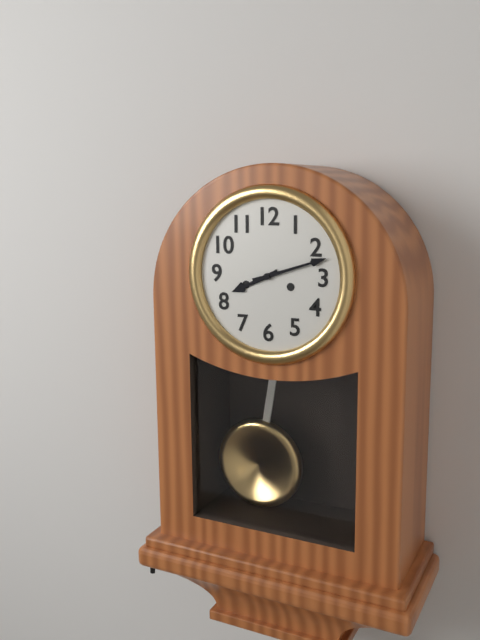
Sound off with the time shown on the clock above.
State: 8:12
